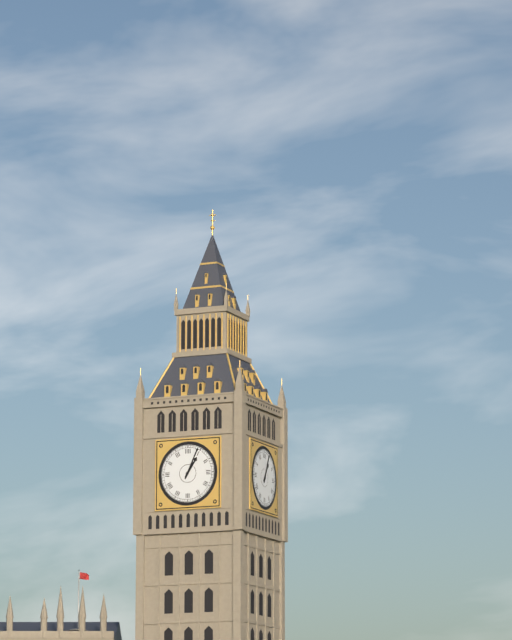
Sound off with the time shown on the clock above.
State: 1:04
